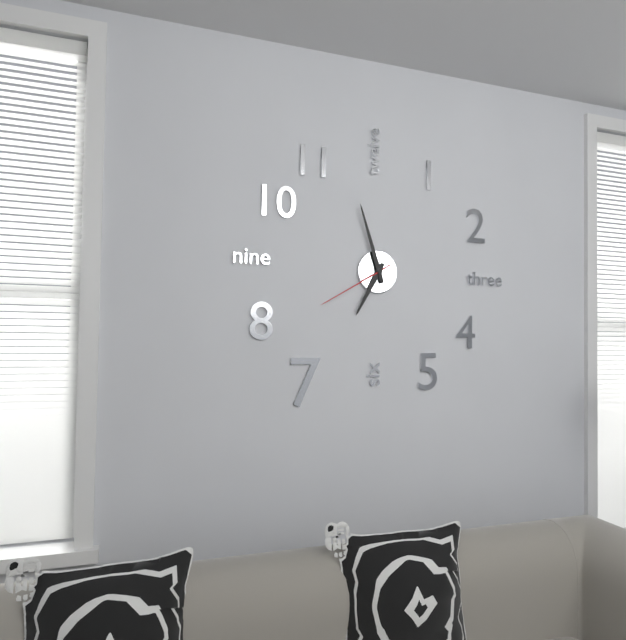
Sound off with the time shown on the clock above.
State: 6:57:40
